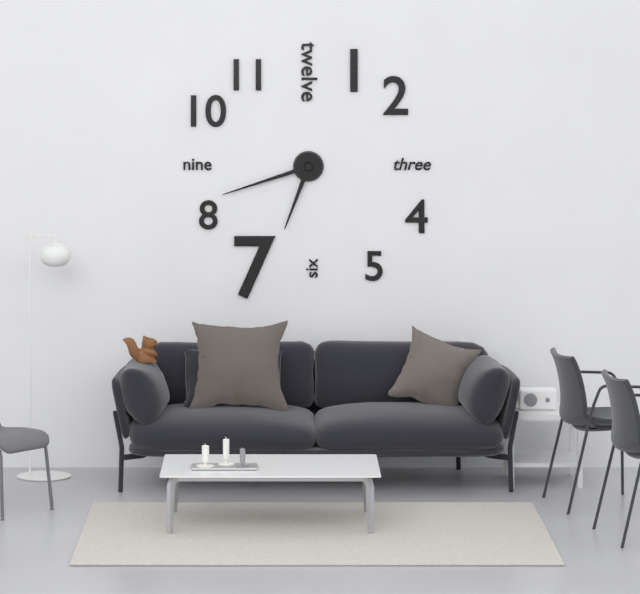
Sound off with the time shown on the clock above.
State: 6:42
